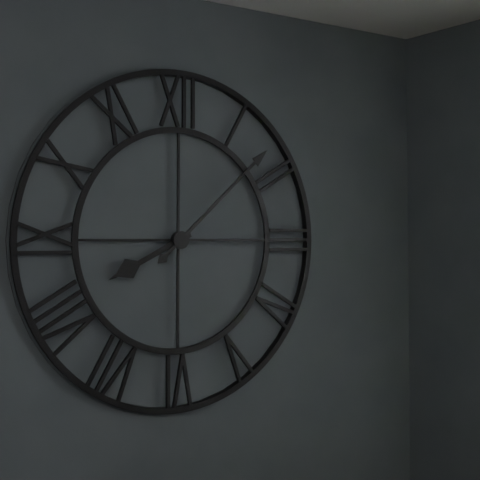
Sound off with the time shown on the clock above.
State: 8:08
